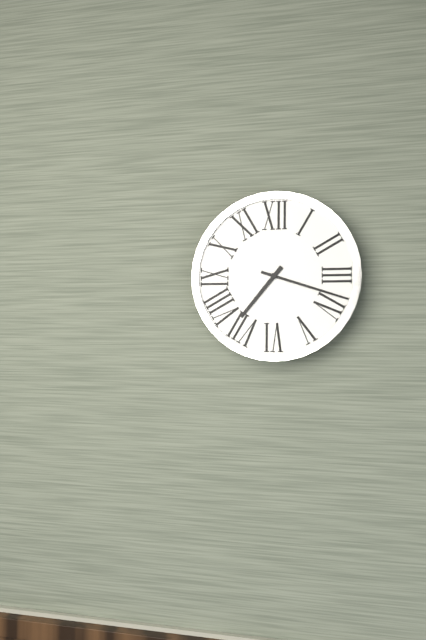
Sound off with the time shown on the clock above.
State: 7:18
